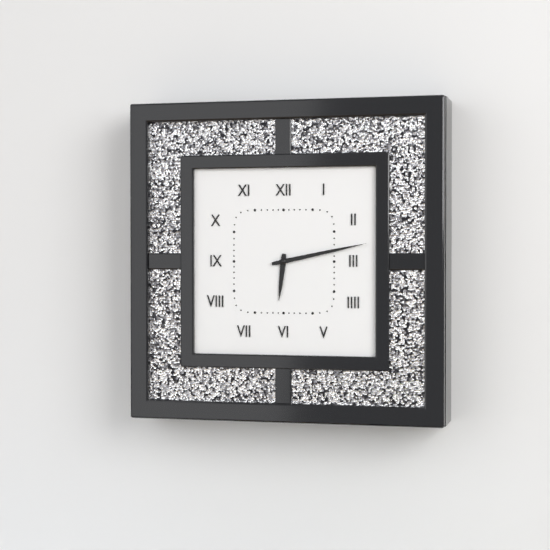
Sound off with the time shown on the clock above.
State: 6:13
